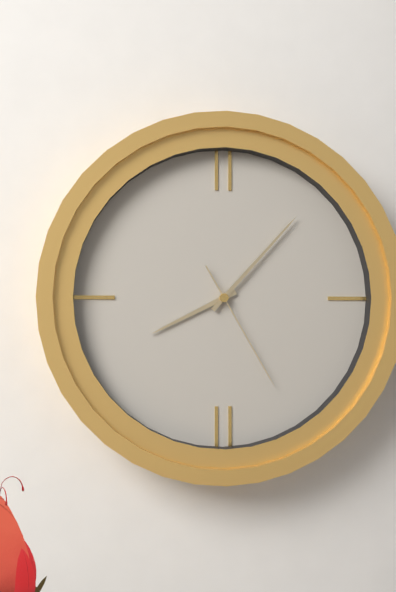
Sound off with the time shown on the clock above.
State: 8:07:25
